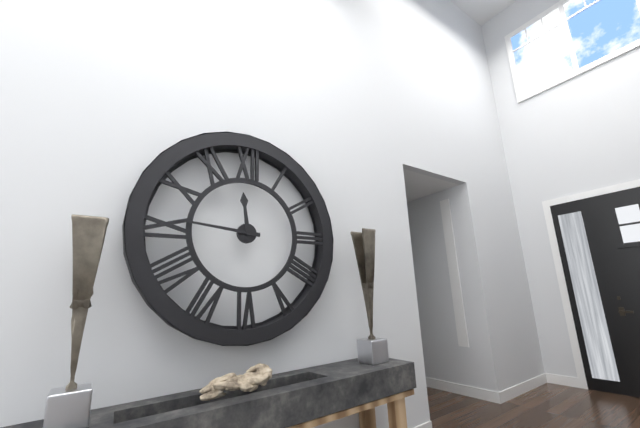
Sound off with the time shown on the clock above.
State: 11:46
